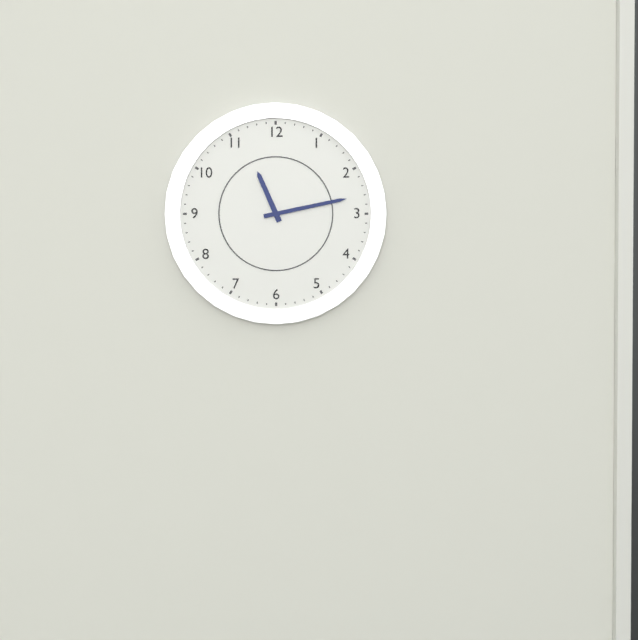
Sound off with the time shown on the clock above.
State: 11:13
